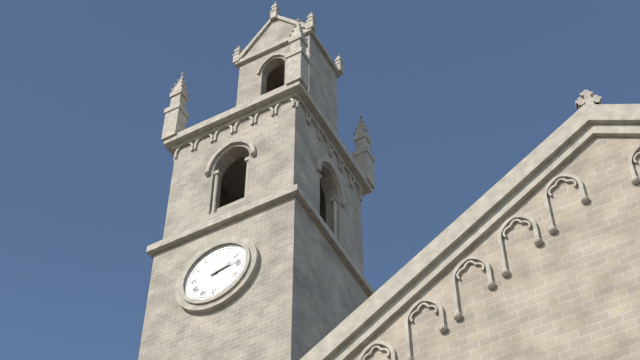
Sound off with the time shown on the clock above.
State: 2:13
